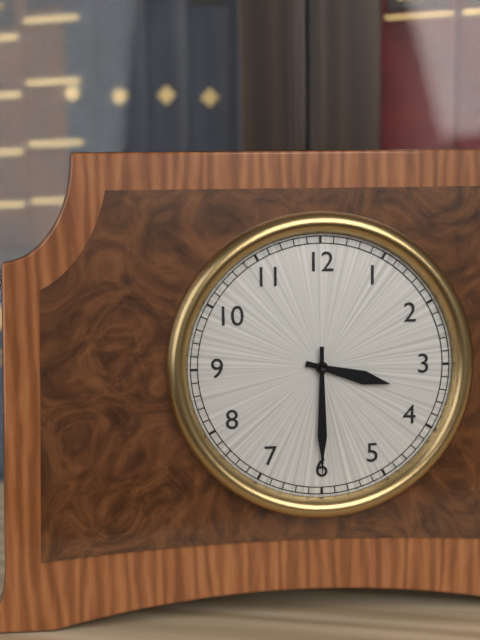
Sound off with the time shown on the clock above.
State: 3:30
